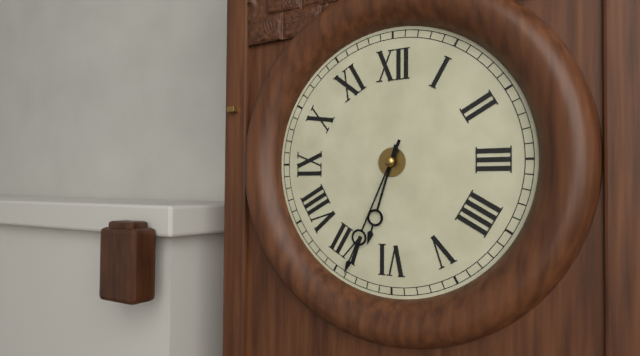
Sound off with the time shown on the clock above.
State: 6:34
